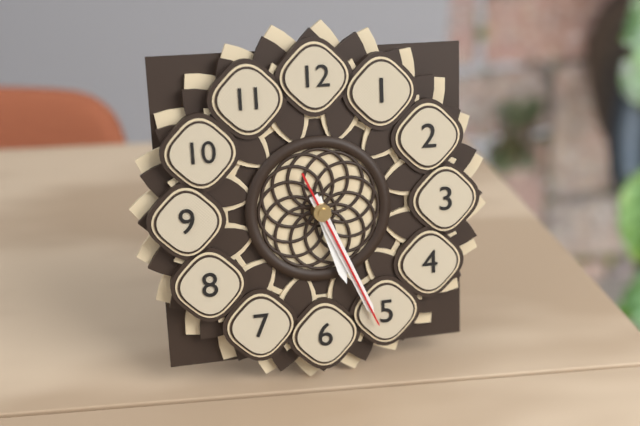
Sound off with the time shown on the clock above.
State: 5:26:26
